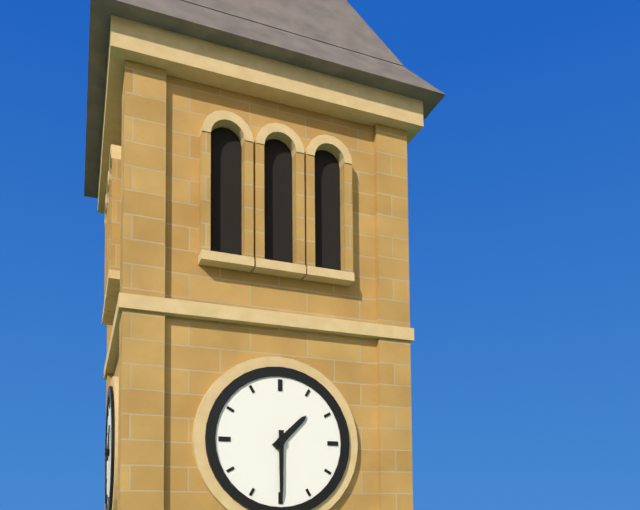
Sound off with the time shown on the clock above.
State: 1:30
